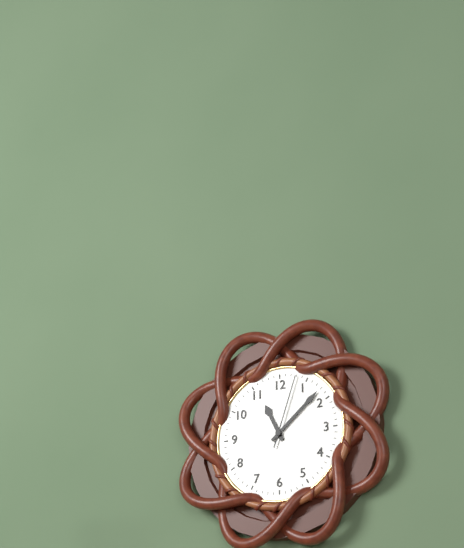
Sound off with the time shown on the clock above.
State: 11:08:03
